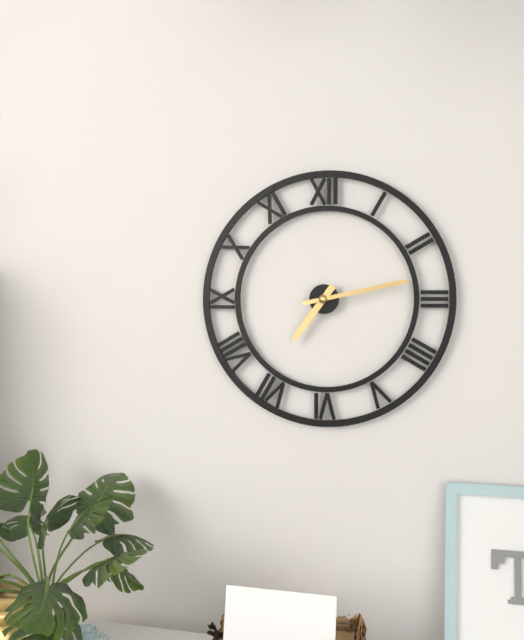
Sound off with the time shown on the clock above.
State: 7:13
